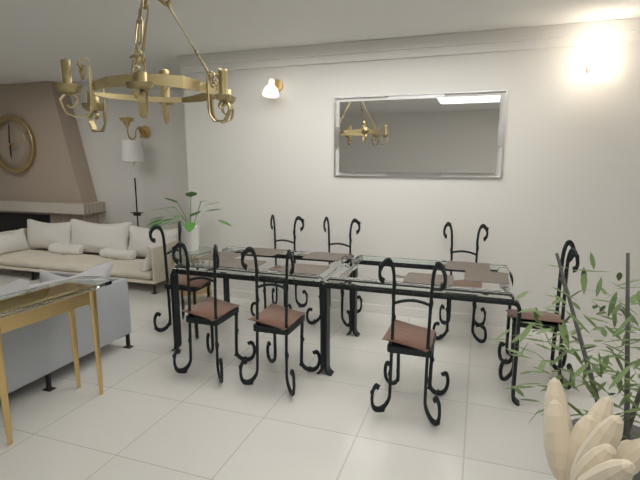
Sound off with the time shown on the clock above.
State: 6:01
